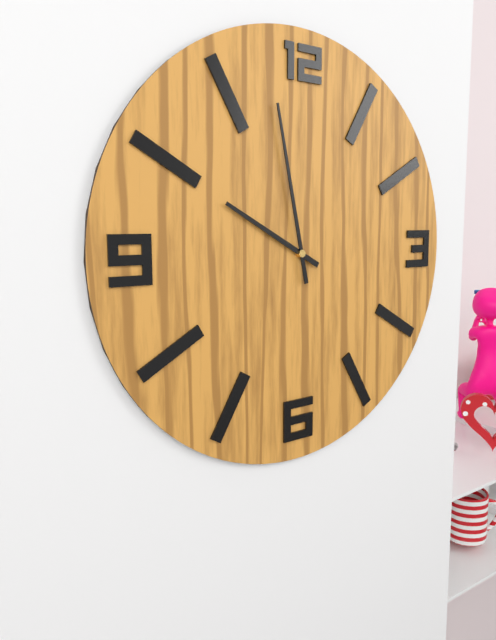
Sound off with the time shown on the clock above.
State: 9:58
